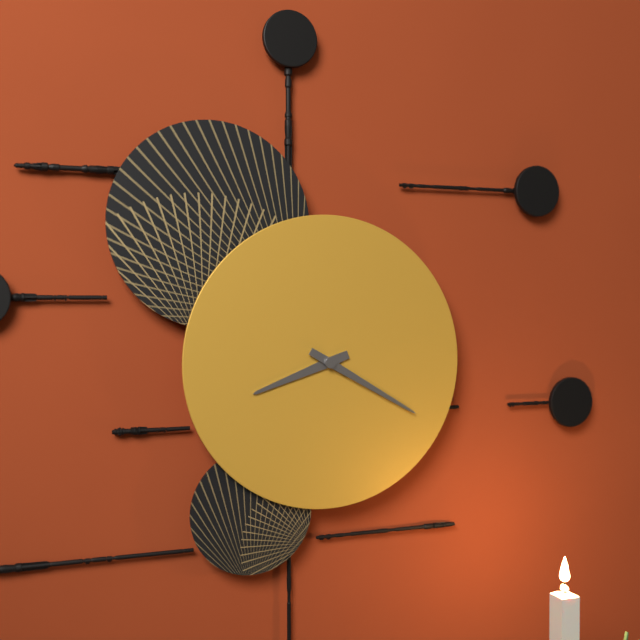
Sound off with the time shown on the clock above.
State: 8:20
